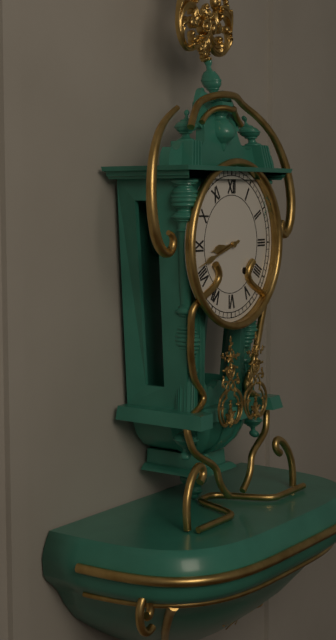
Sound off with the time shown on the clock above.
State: 8:42
